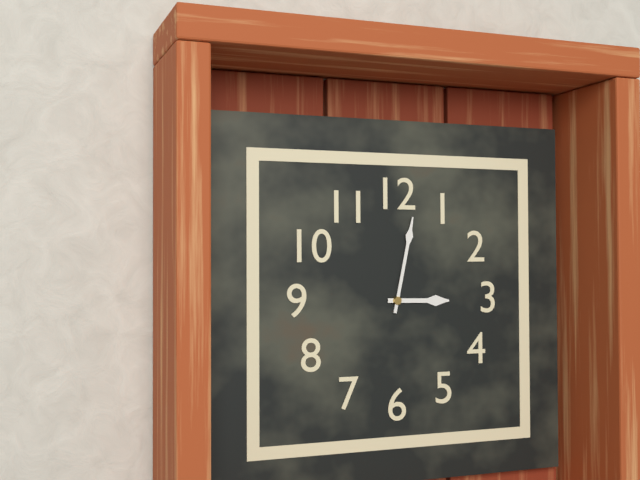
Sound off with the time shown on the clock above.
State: 3:02
